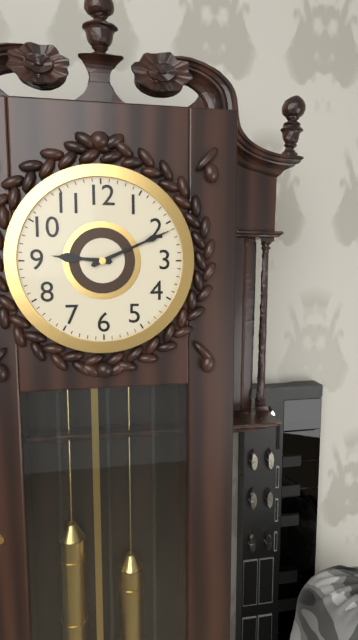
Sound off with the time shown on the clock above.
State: 9:11
